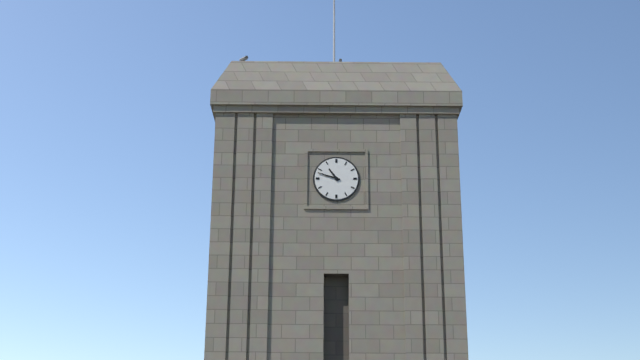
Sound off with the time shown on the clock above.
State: 10:48
